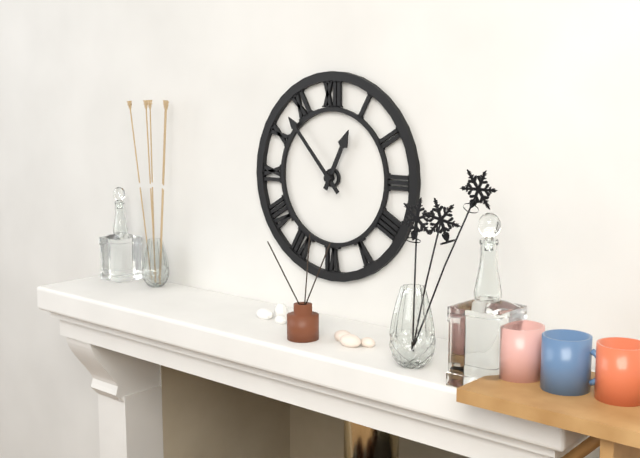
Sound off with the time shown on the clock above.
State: 12:53
